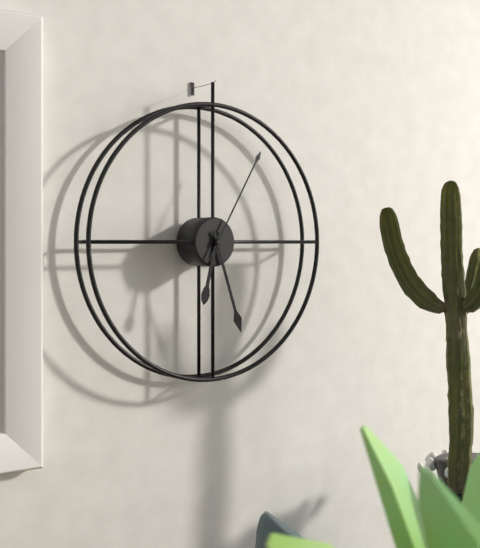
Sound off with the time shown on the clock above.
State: 6:27:05
